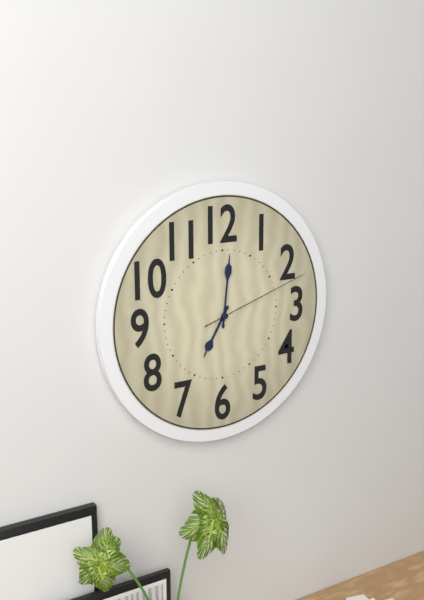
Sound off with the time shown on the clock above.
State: 7:01:12
